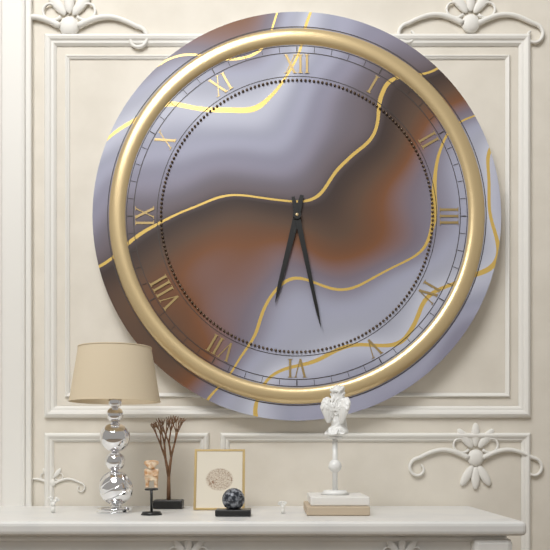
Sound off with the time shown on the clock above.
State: 6:28
